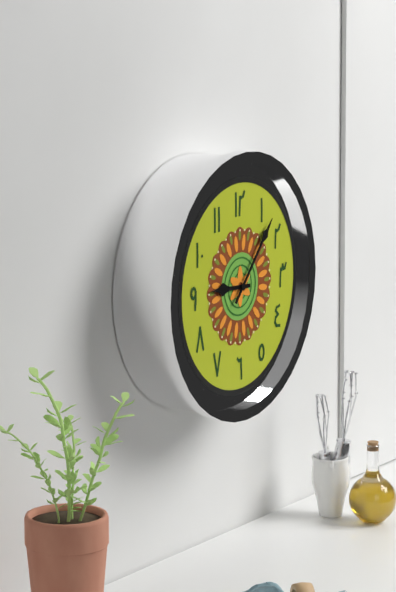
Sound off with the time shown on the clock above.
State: 9:07
